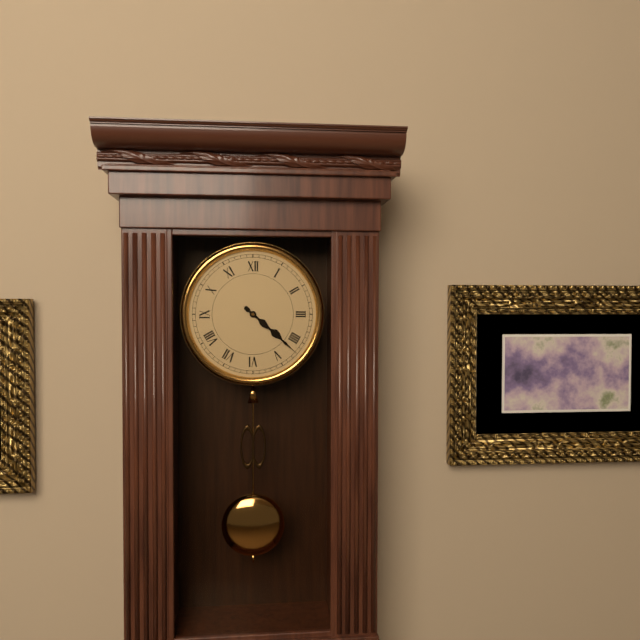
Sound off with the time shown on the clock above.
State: 4:22
